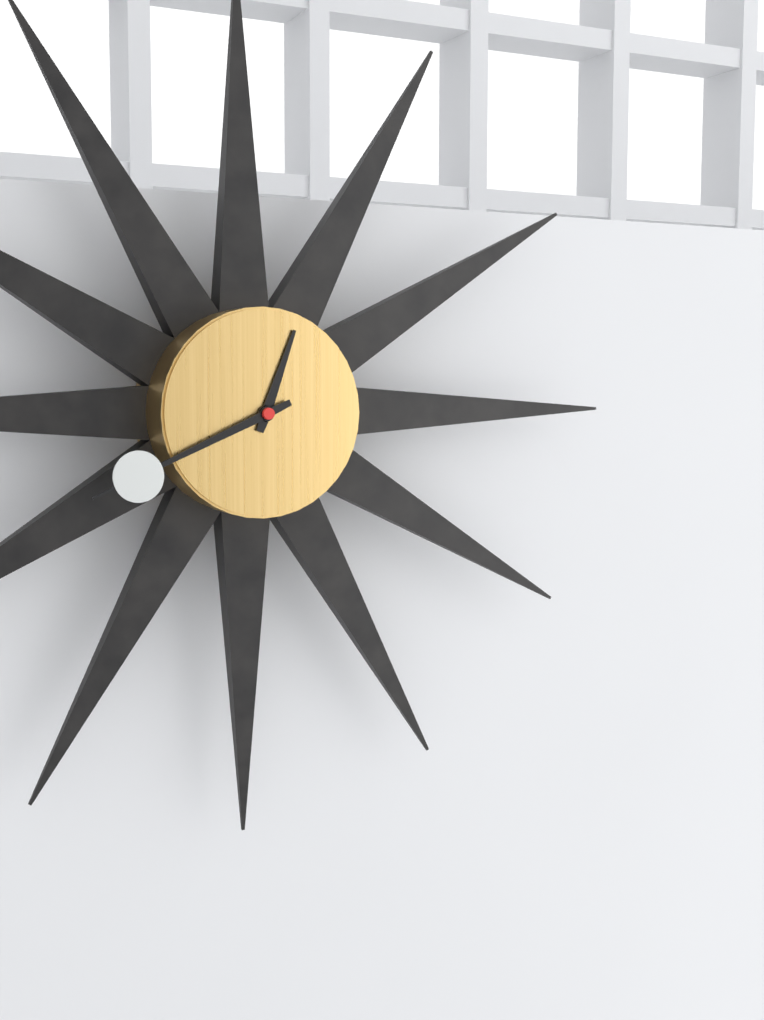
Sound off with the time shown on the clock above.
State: 12:41
